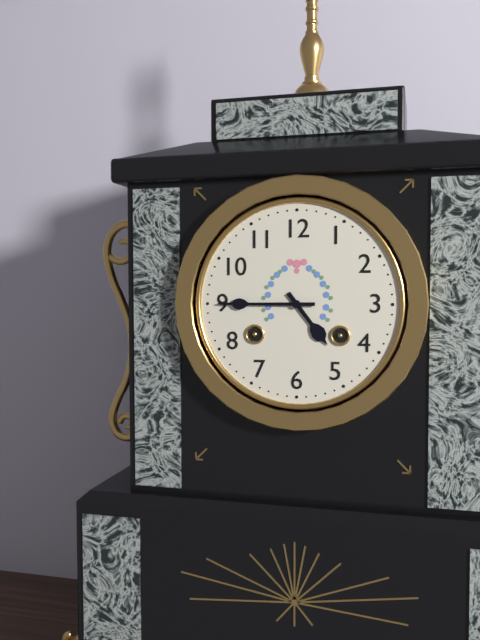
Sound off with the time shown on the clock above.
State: 4:45
